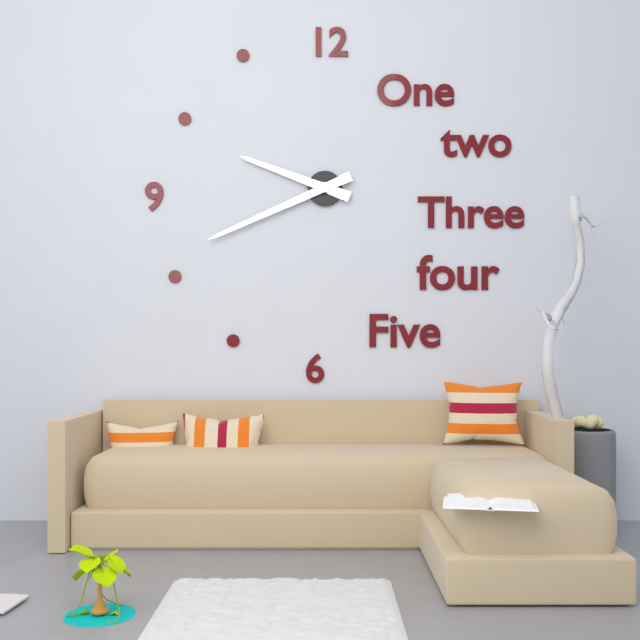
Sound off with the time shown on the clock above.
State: 9:41
